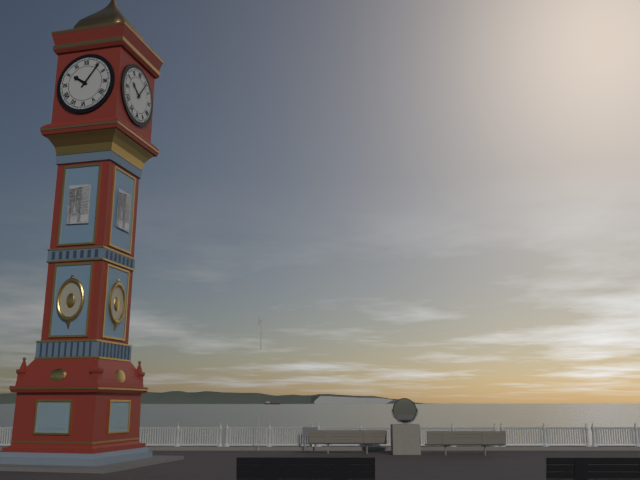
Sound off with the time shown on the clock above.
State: 10:06
